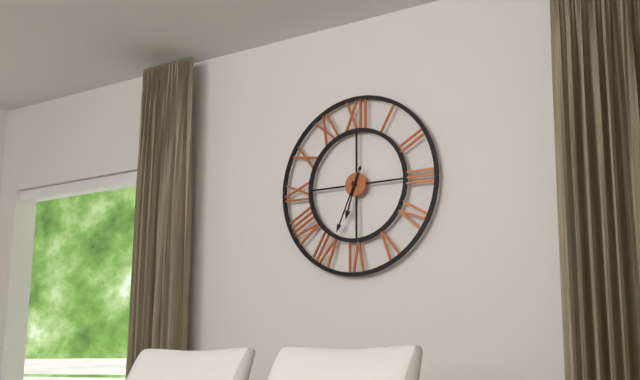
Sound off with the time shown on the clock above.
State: 6:34
